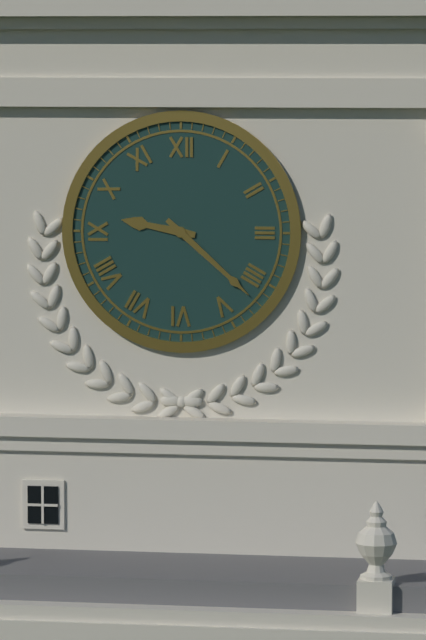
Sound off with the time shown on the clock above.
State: 9:22
